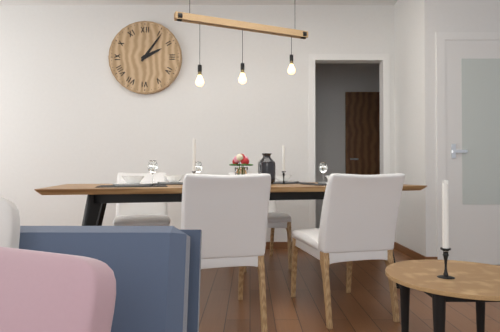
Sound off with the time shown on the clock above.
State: 2:06
